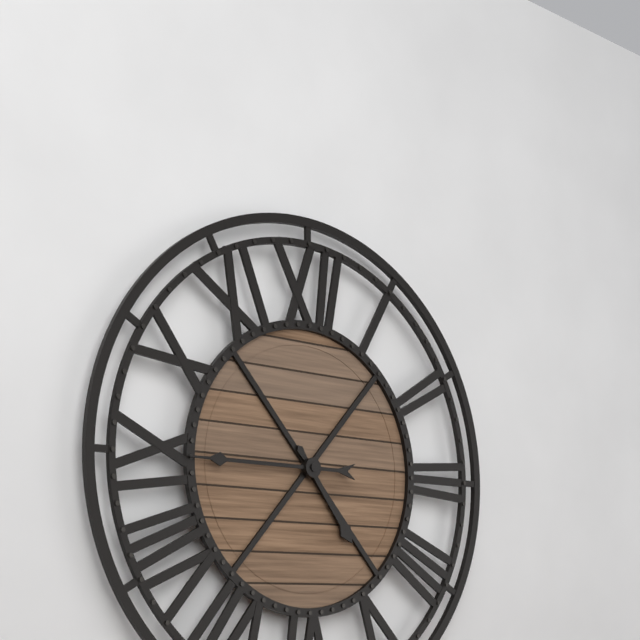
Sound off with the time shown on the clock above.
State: 4:45
